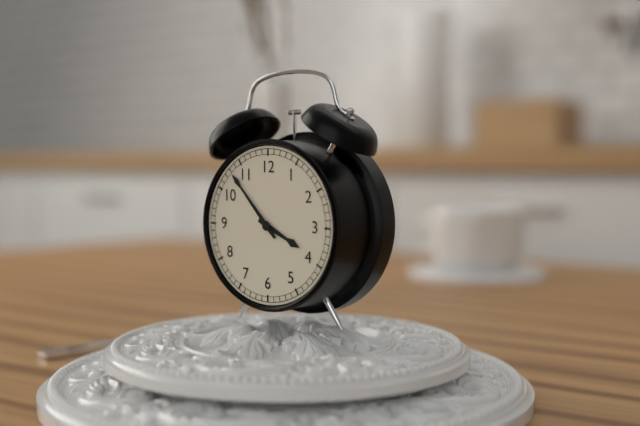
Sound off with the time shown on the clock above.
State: 3:53
